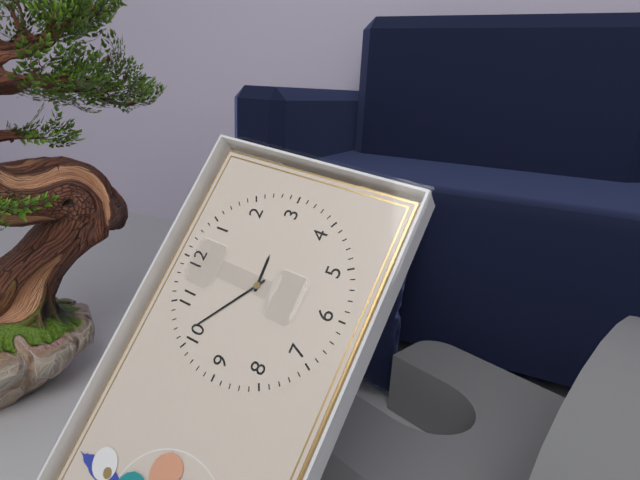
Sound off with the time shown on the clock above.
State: 2:51
